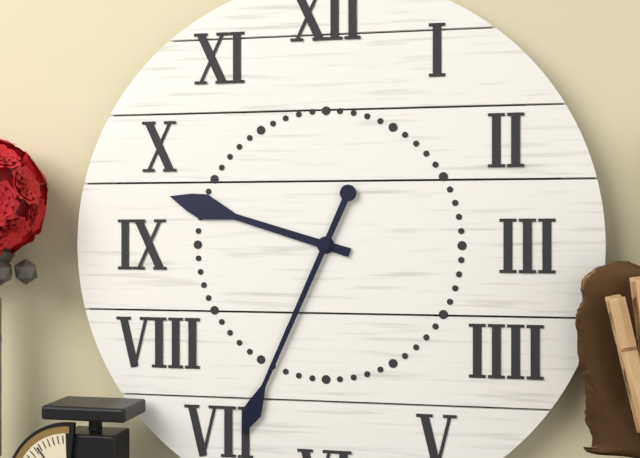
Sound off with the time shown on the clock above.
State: 9:34
